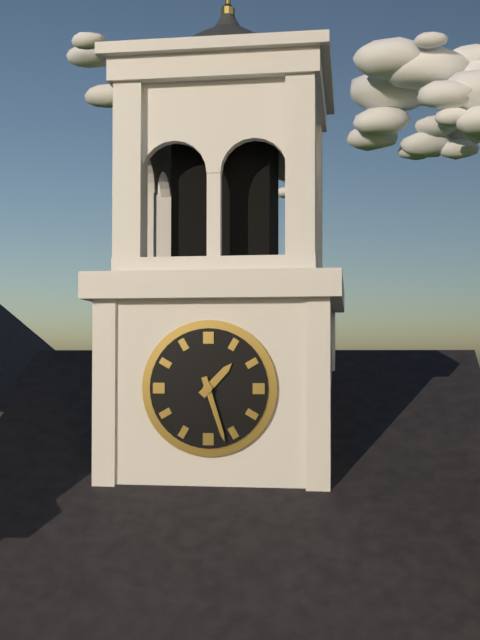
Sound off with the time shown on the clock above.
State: 1:27
